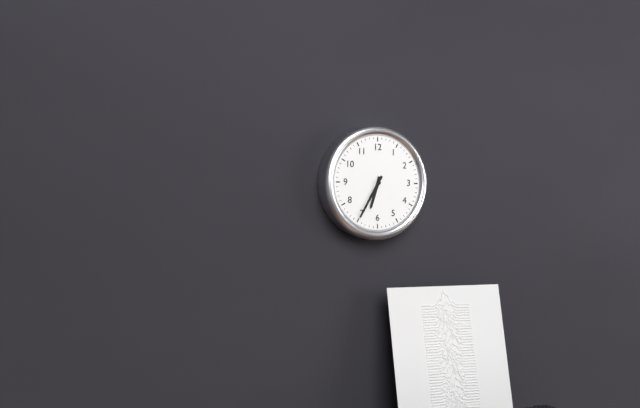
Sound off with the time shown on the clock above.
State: 6:35
